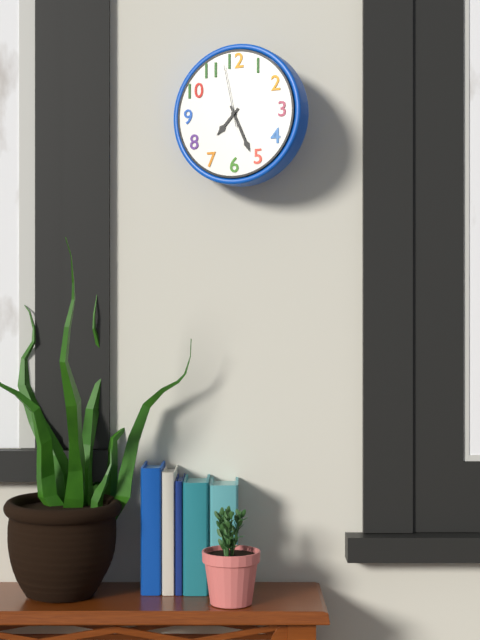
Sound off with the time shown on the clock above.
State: 7:26:58
